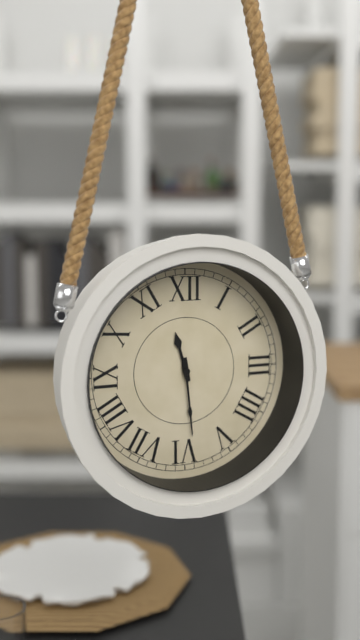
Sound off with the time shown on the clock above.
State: 11:29
